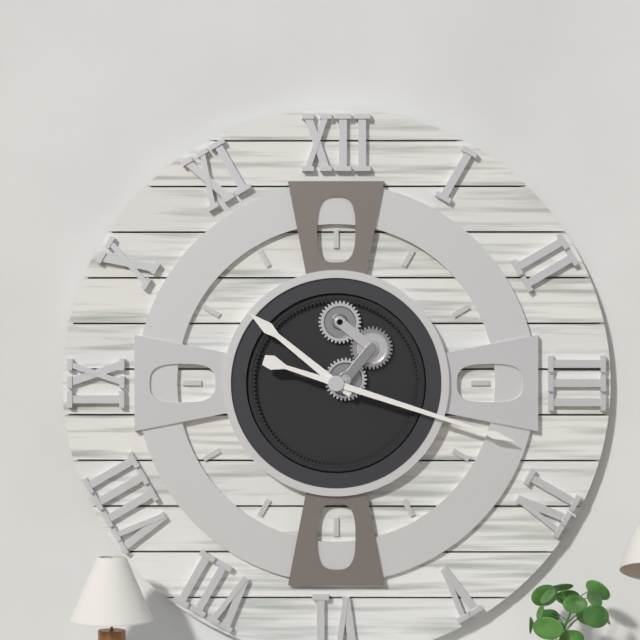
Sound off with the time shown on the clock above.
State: 10:18
